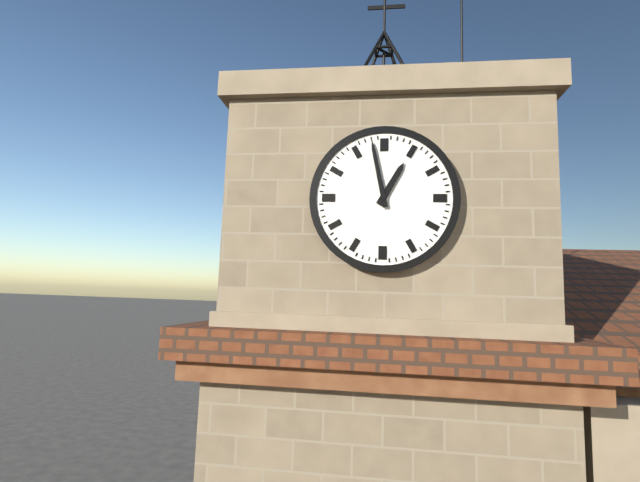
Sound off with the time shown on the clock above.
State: 12:58
